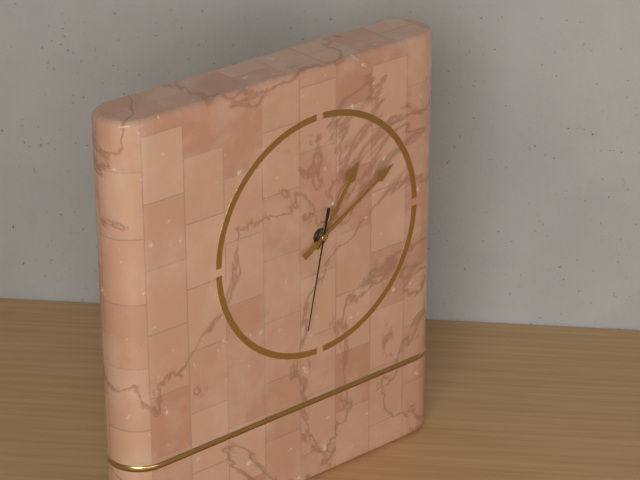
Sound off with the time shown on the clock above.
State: 1:10:32
